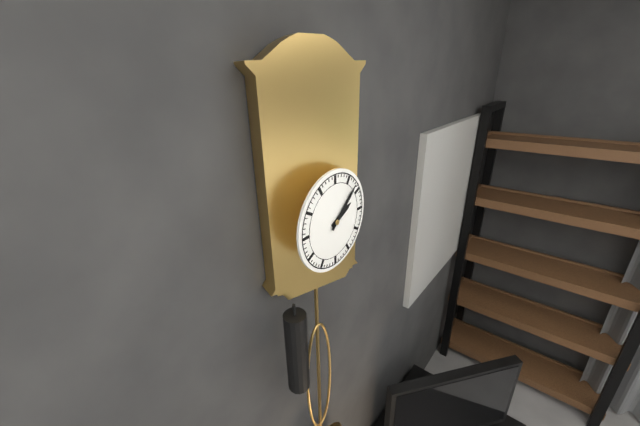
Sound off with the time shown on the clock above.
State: 2:08
